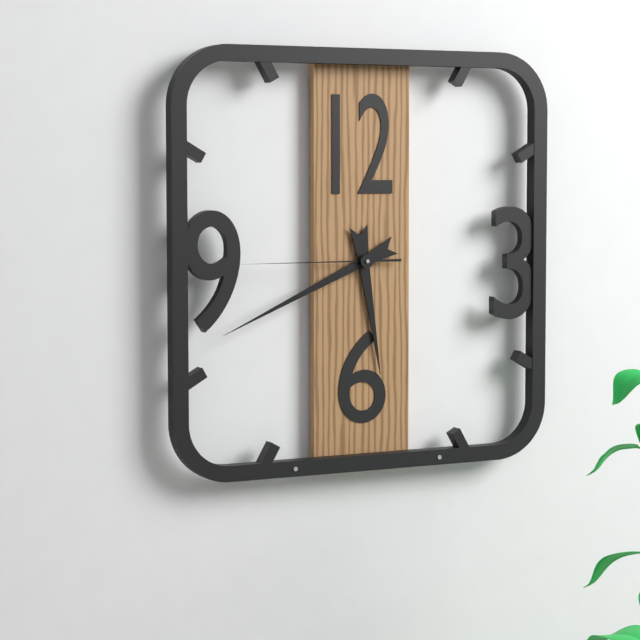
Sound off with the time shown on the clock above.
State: 5:41:45
